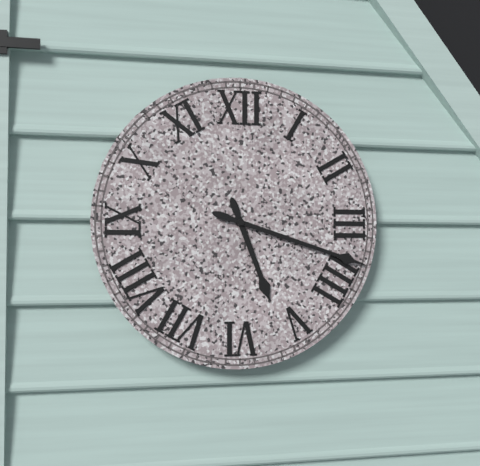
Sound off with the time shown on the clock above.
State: 5:18
